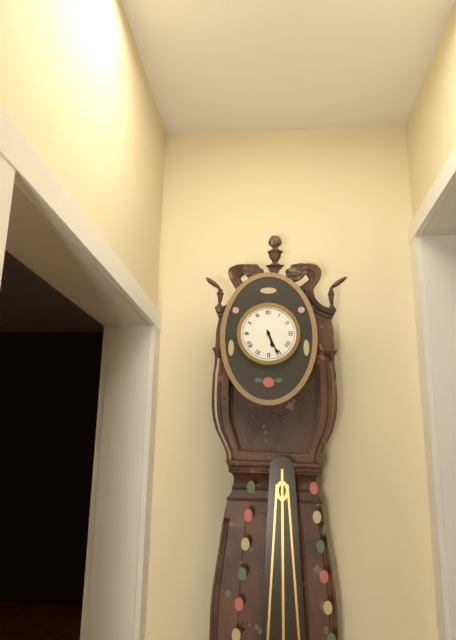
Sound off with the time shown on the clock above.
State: 5:26
